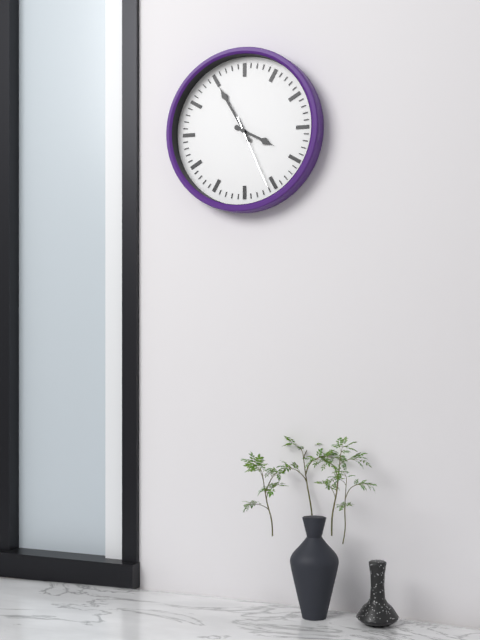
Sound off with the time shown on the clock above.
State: 3:55:26
